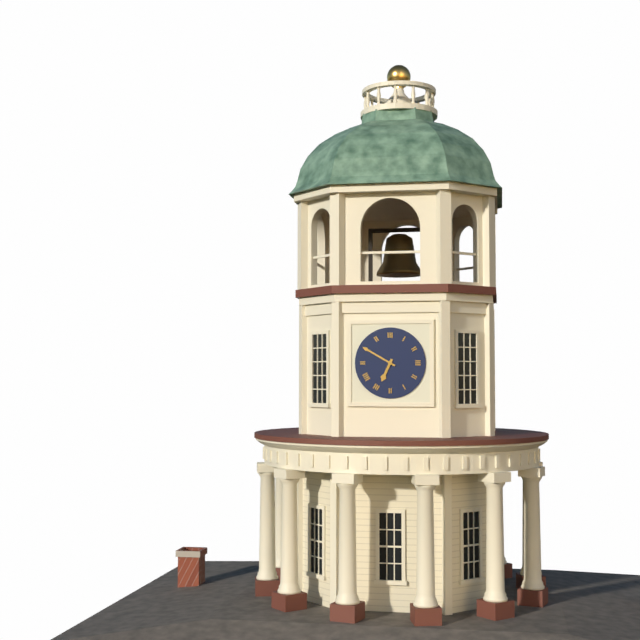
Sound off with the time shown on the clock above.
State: 6:50
